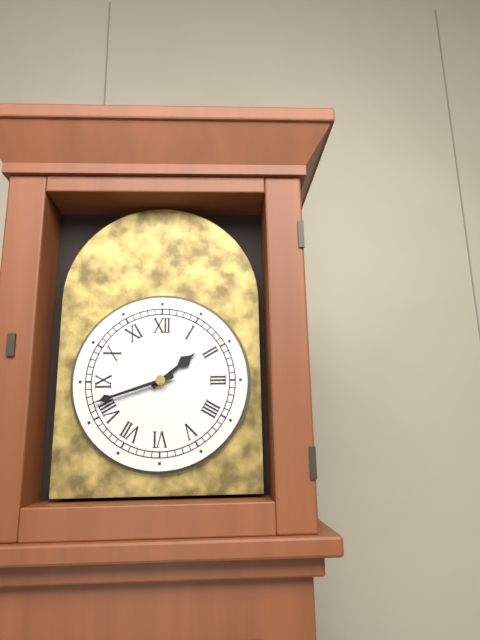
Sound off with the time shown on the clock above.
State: 1:42
